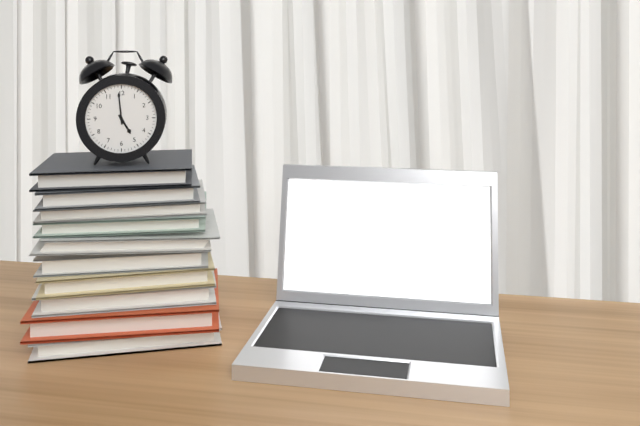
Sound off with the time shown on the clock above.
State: 4:59
